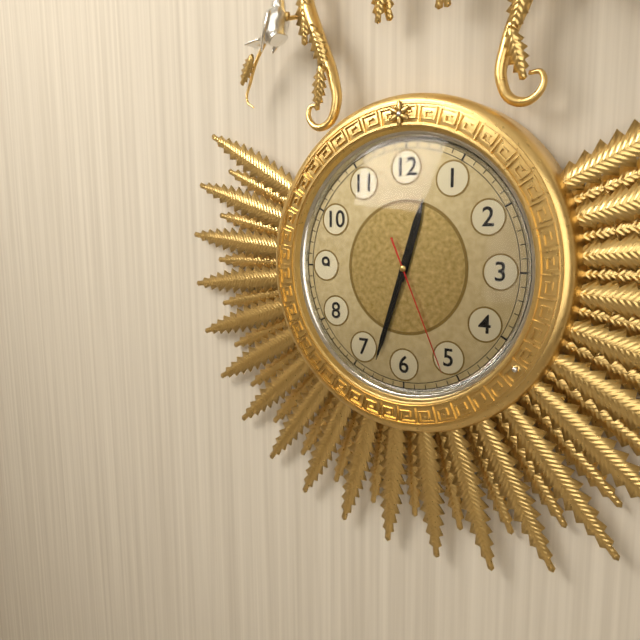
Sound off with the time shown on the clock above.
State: 12:33:26
